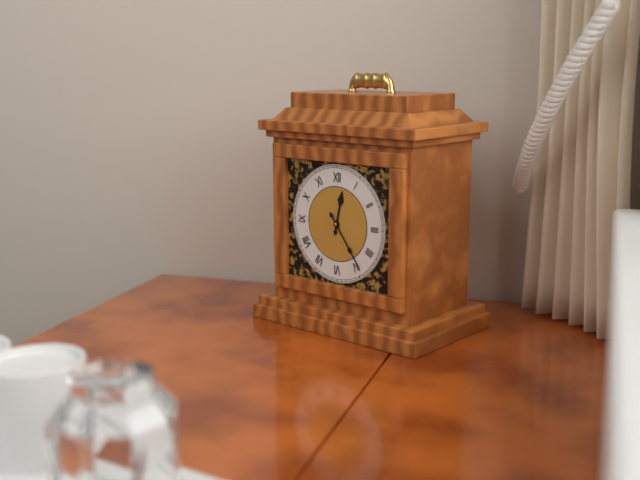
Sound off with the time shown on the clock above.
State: 12:24
